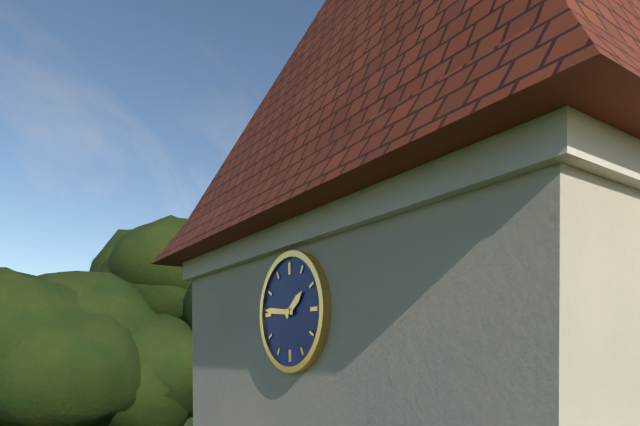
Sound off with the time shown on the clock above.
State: 1:46
